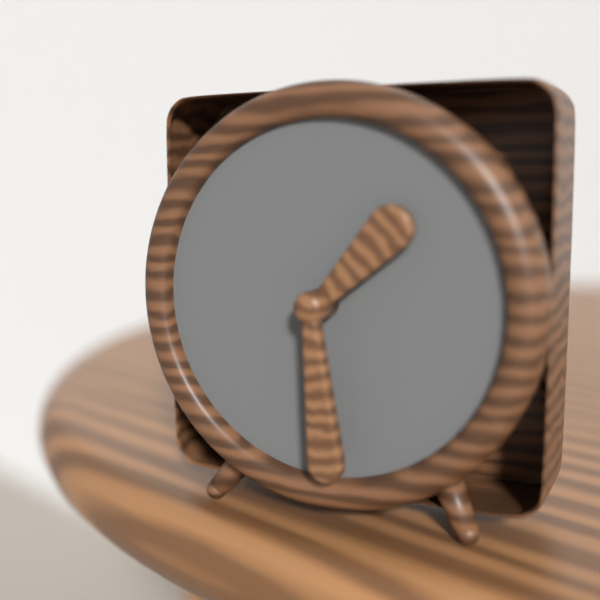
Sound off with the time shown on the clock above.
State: 1:29
